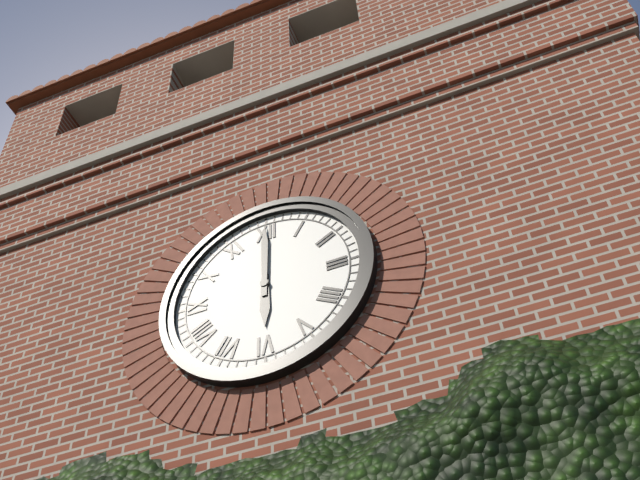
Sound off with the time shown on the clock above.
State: 6:00
